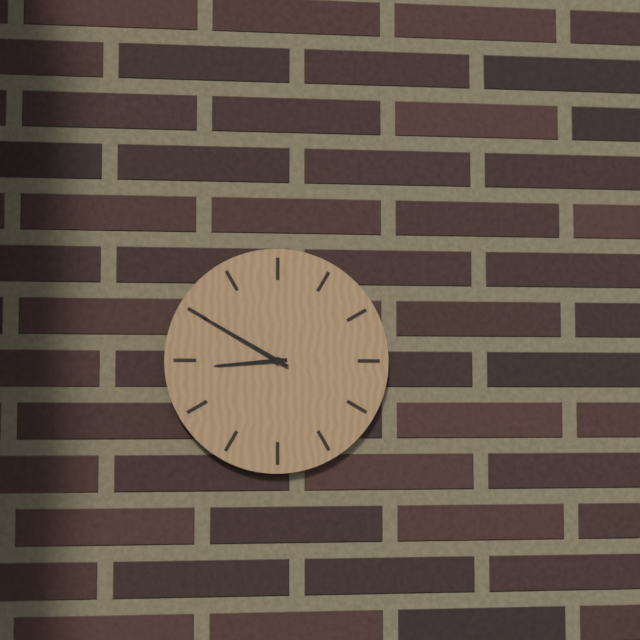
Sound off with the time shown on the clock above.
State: 8:50
